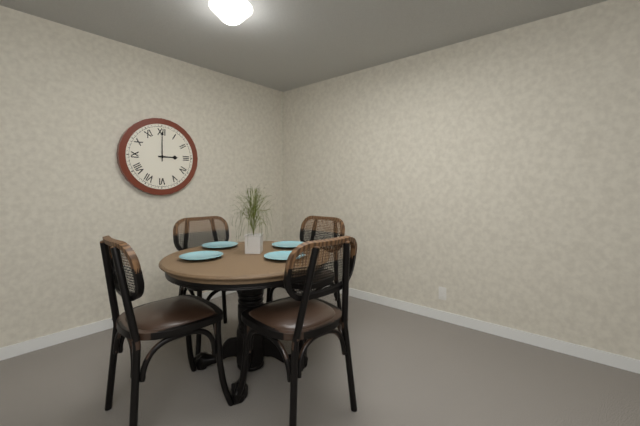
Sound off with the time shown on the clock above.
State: 3:00
